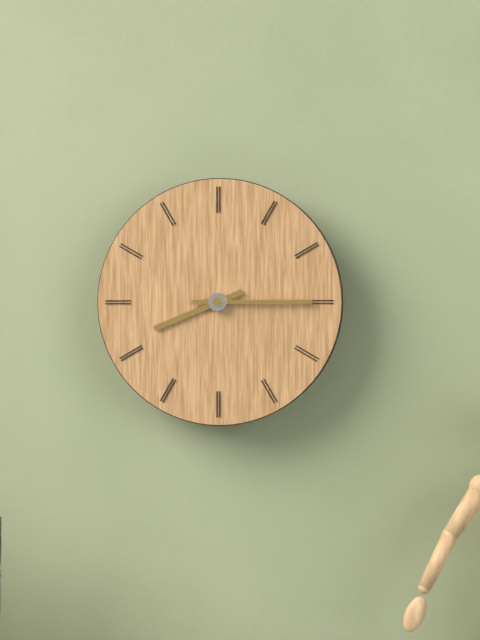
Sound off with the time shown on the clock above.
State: 8:15
